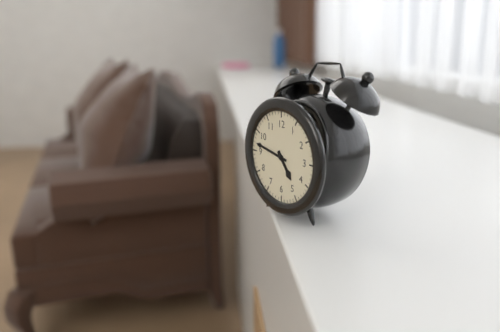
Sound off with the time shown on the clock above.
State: 4:47
